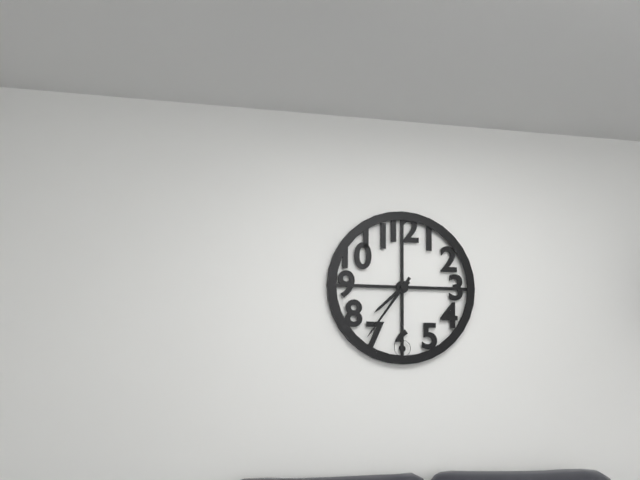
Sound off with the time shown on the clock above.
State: 7:36
